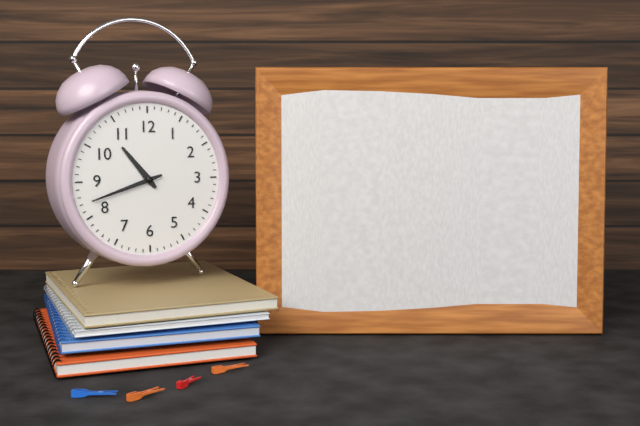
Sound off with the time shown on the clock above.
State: 10:42
